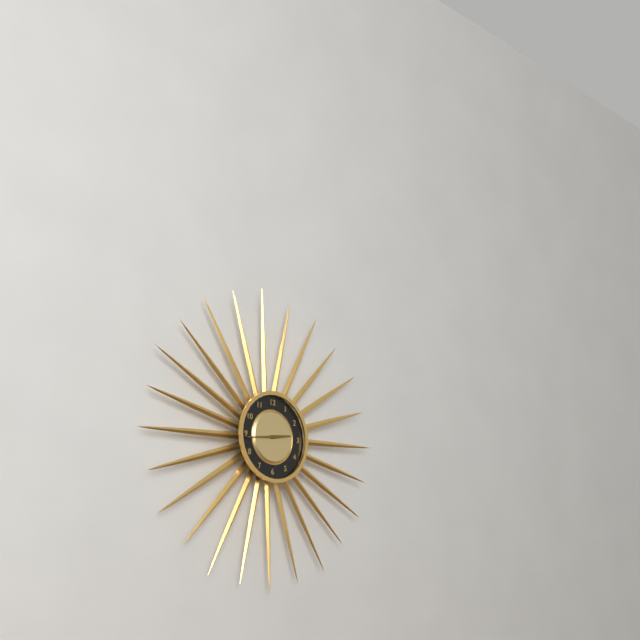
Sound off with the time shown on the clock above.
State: 2:44
